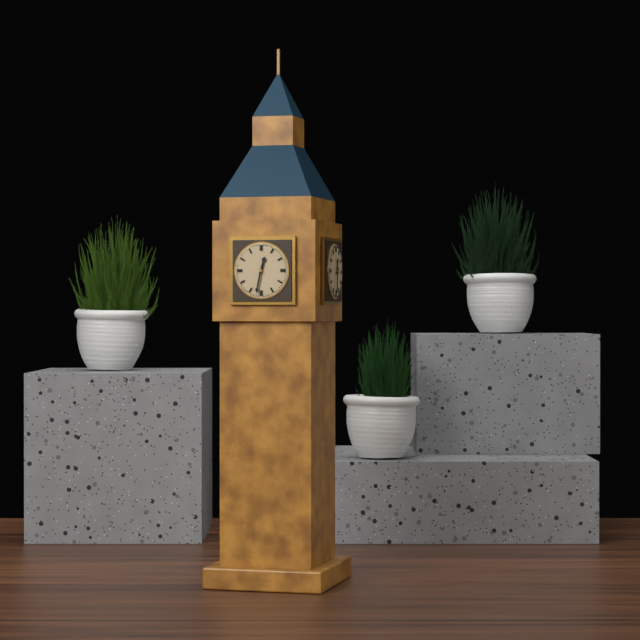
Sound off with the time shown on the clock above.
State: 12:32
